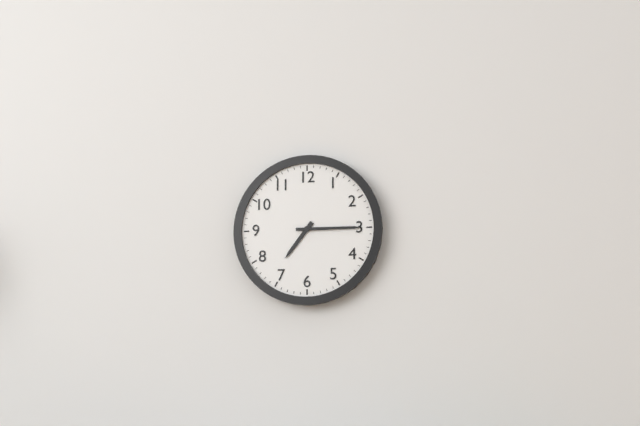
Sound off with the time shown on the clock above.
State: 7:15
